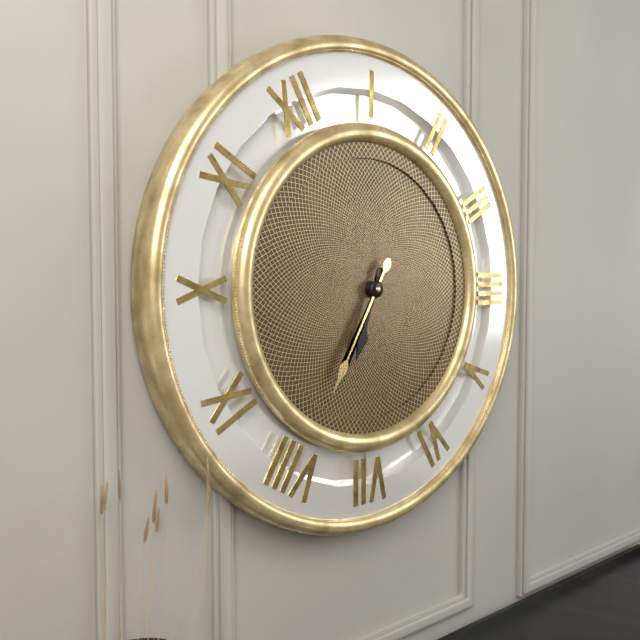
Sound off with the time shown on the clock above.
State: 7:40
